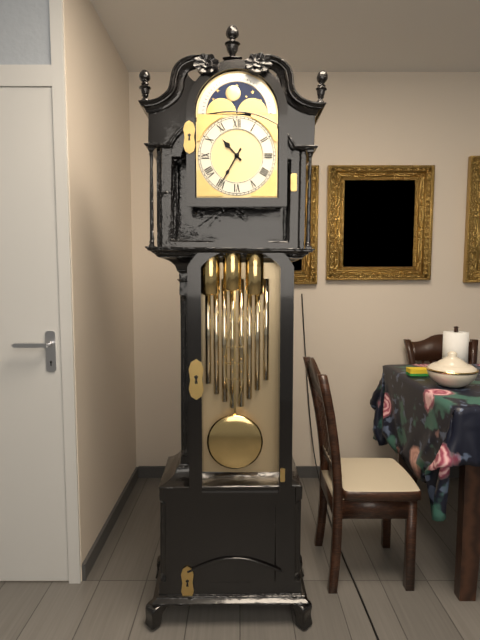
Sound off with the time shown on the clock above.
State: 10:35
